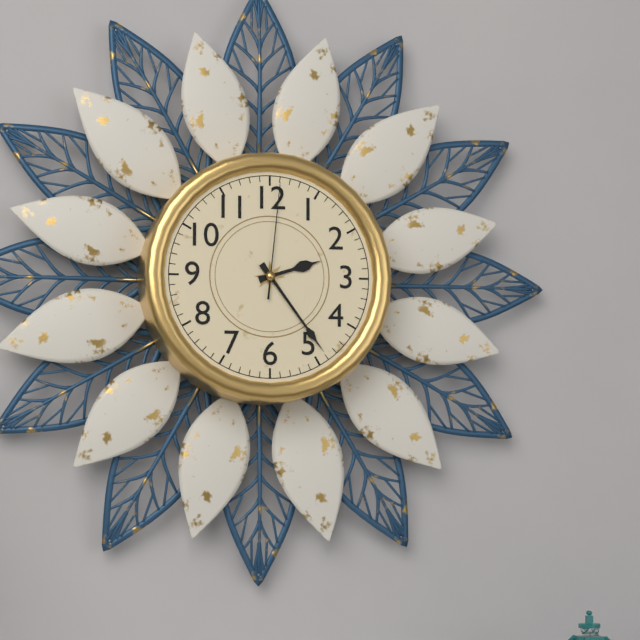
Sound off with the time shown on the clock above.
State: 2:24:01
